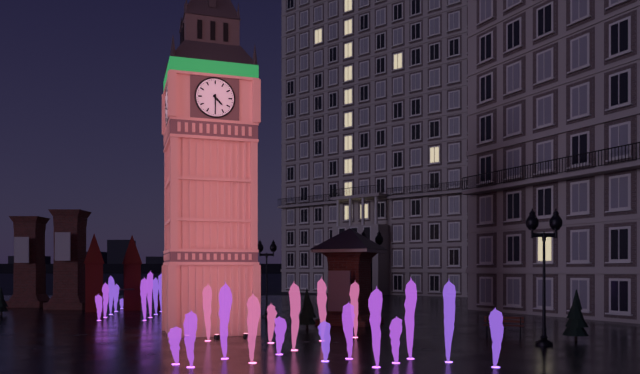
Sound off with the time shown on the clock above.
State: 4:30
